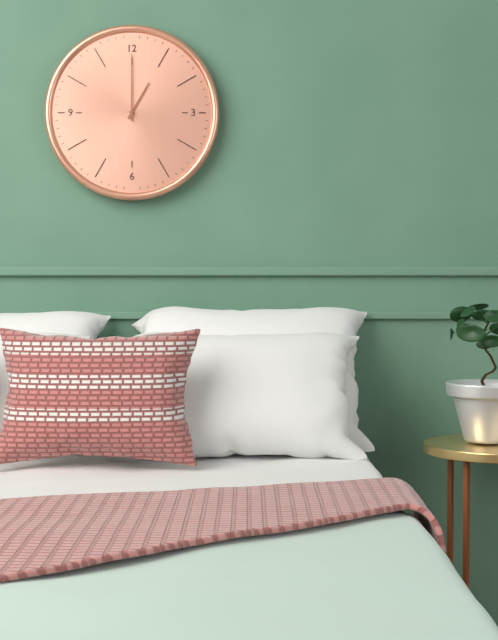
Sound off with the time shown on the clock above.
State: 1:00
